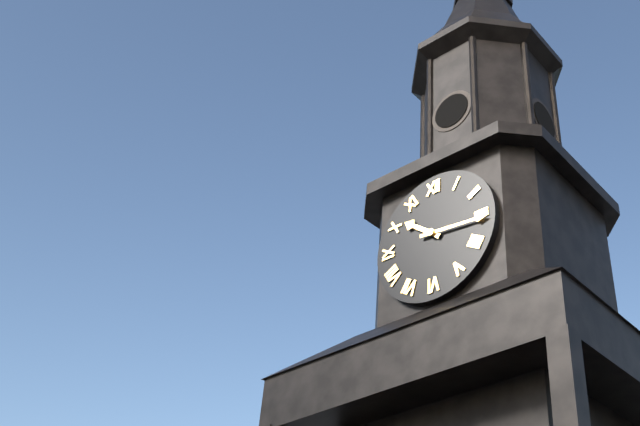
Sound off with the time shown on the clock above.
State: 10:16
